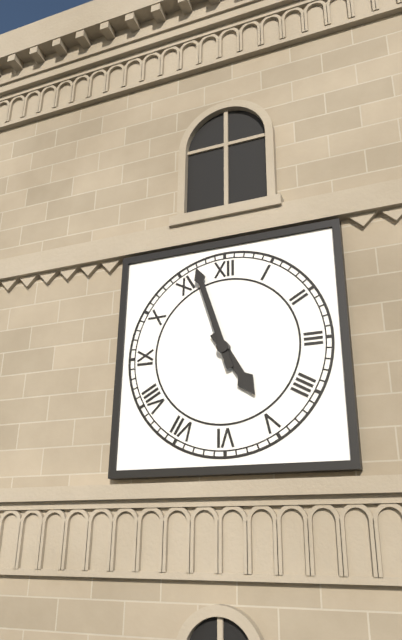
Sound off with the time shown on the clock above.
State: 4:57
